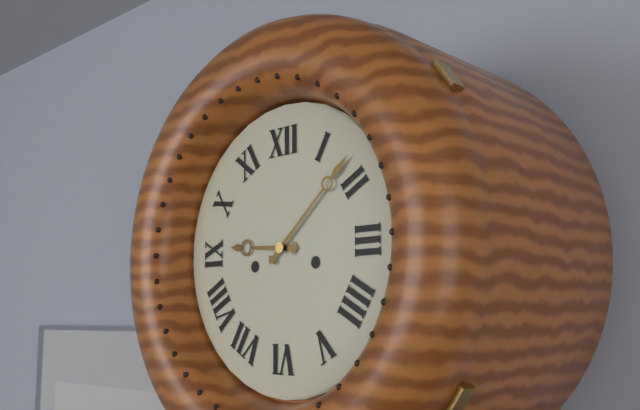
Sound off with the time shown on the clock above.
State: 9:08
